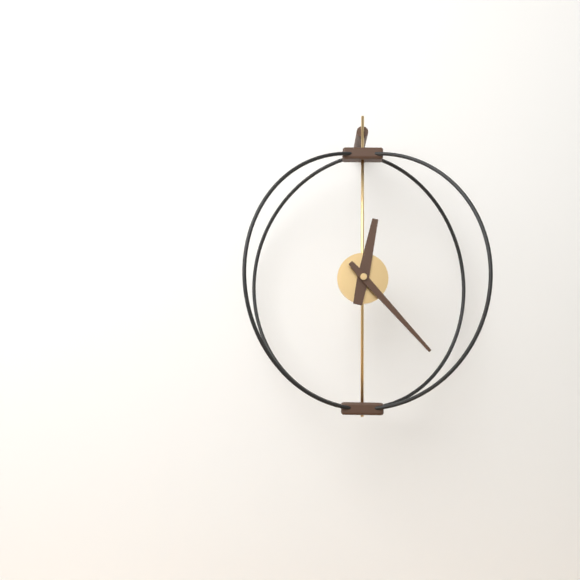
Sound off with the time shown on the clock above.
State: 12:23
